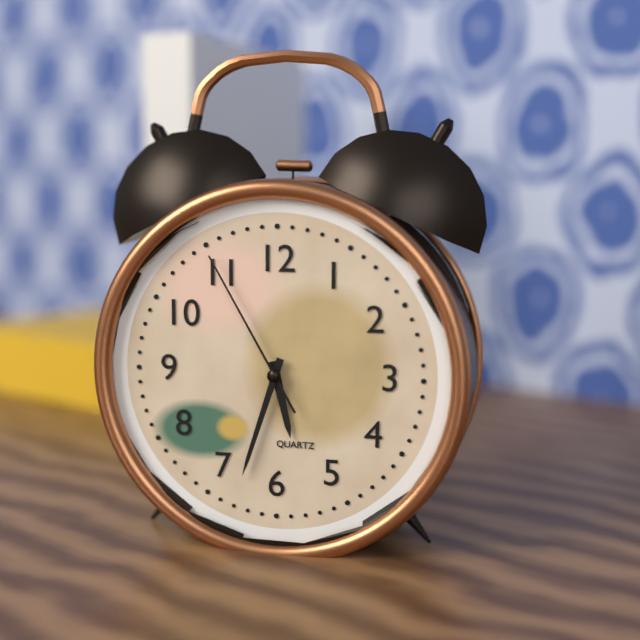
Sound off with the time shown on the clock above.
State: 5:33:55
